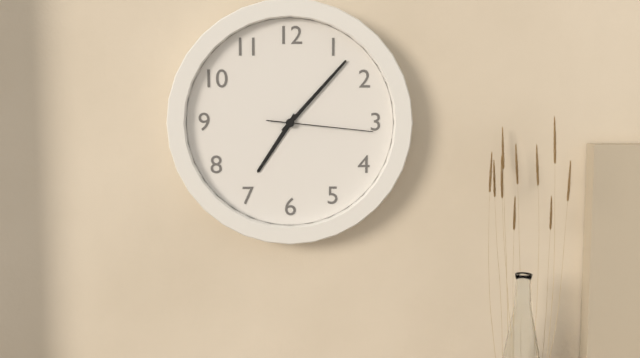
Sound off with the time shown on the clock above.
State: 7:07:16
